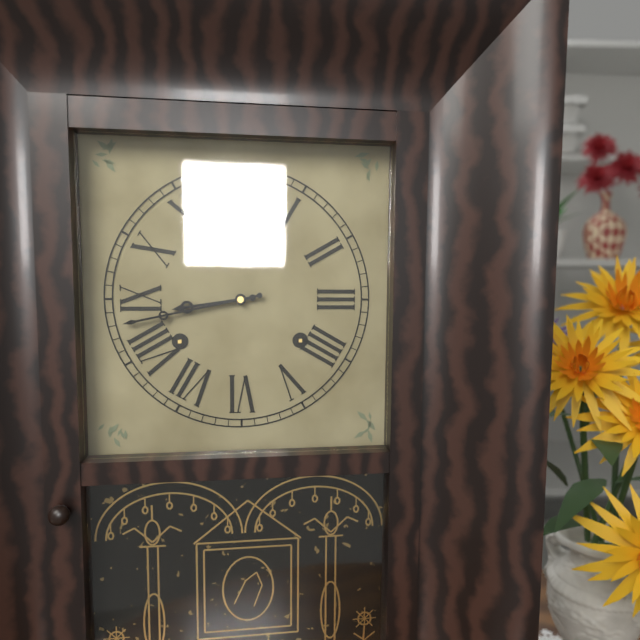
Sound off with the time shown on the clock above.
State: 8:43
